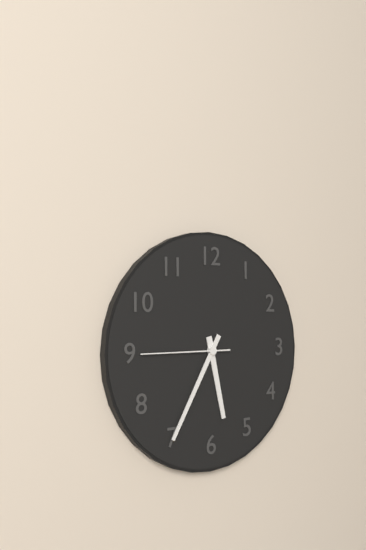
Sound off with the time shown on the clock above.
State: 5:35:45
